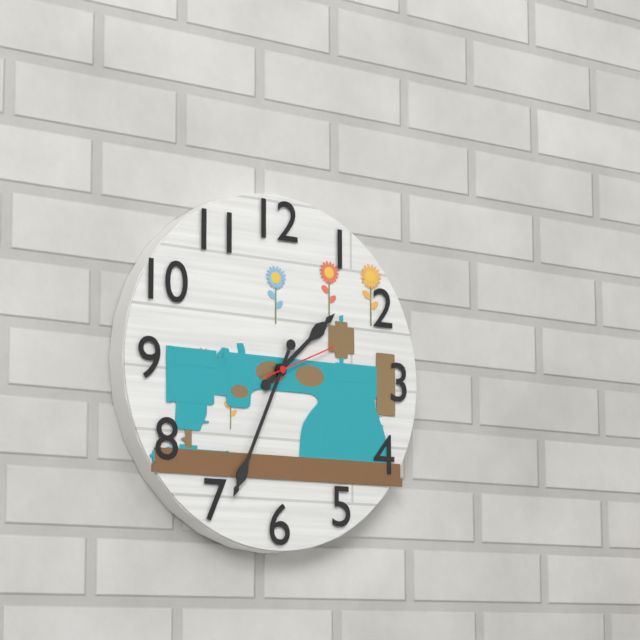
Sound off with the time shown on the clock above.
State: 1:34:11
